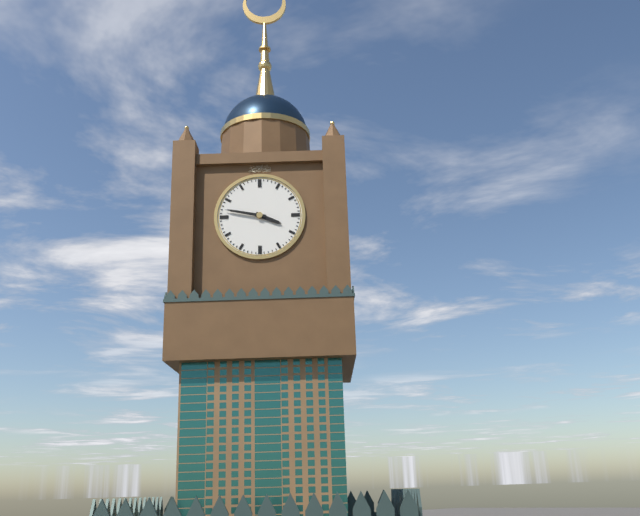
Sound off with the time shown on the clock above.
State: 3:47
